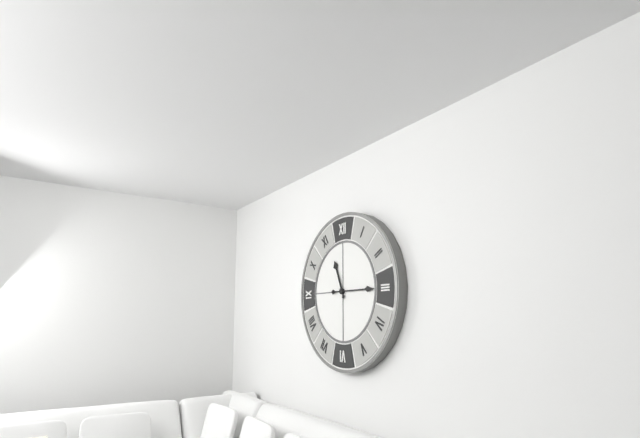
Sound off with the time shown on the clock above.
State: 11:15
